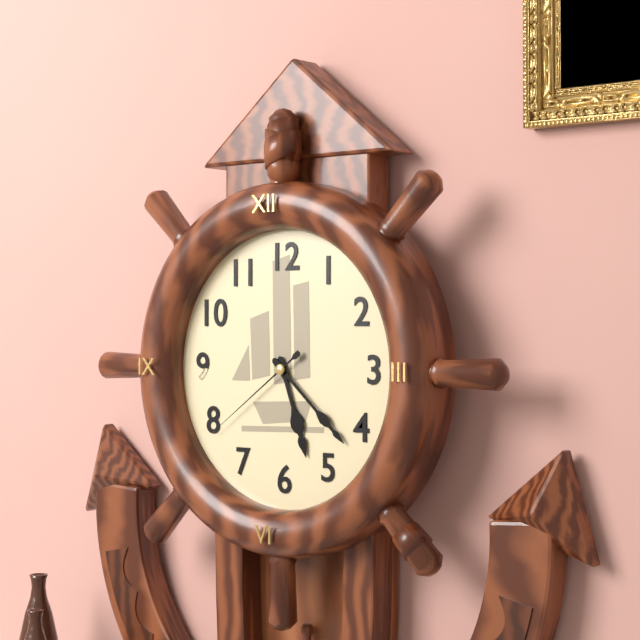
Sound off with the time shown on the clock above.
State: 5:22:39
